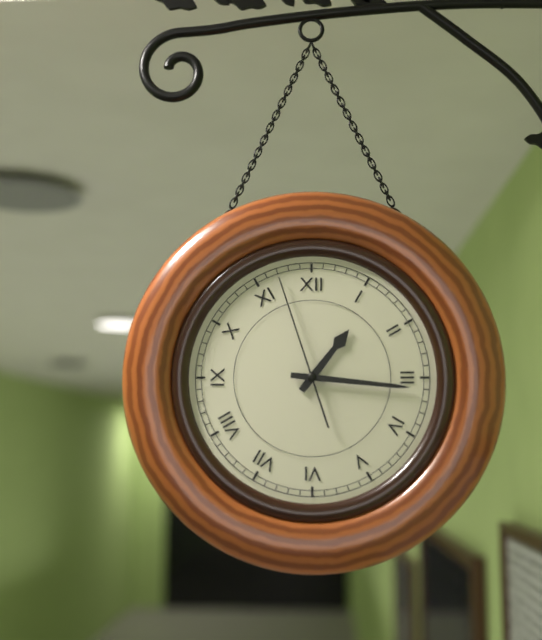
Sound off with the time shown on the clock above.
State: 1:16:57
